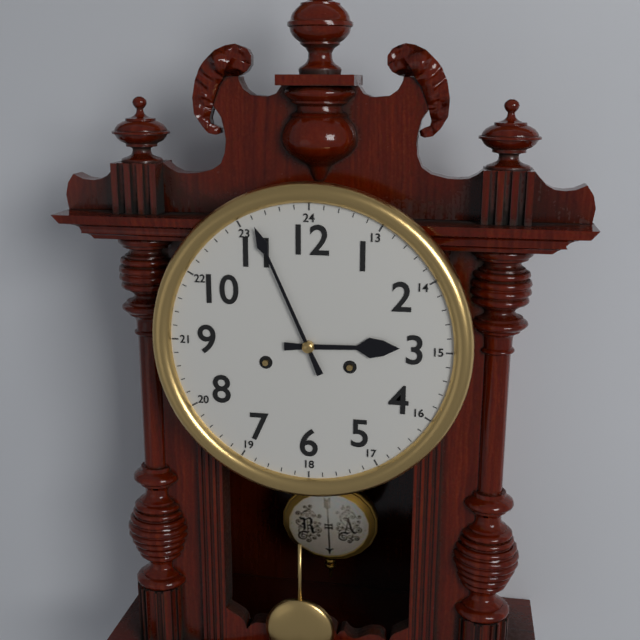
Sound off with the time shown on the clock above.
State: 2:56
